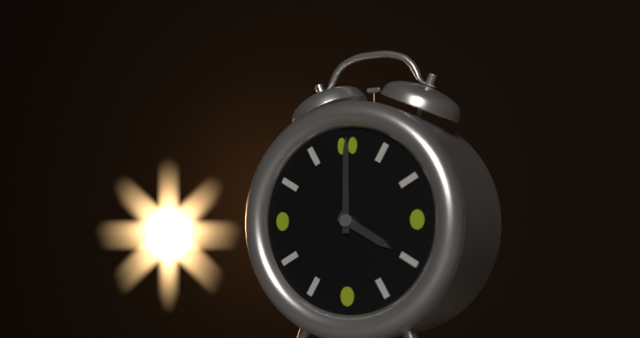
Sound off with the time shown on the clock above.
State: 4:00
